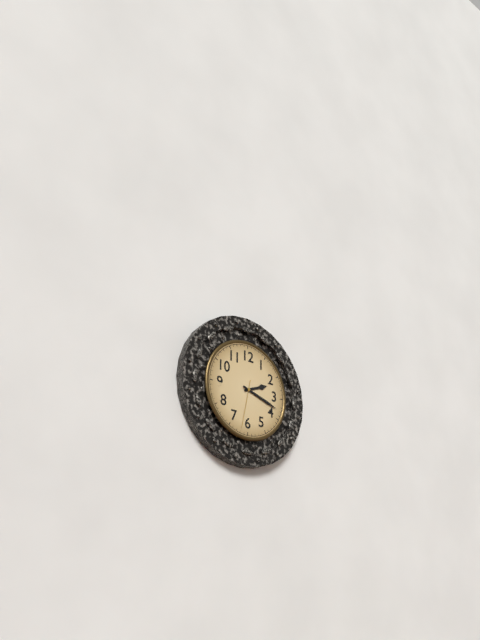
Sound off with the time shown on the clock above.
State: 2:18
